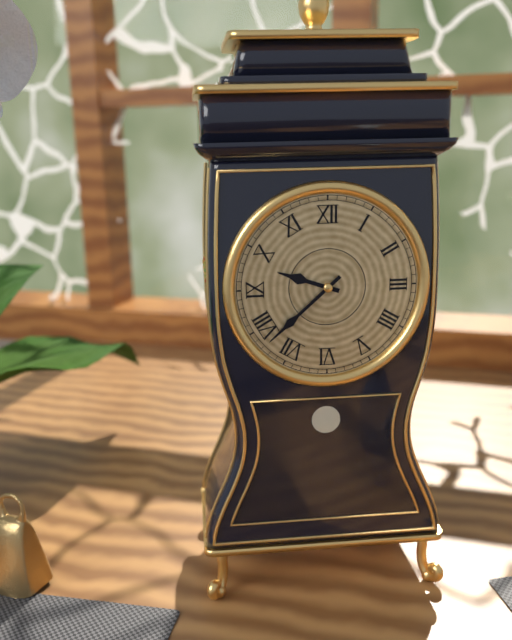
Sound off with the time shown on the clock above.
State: 9:38
